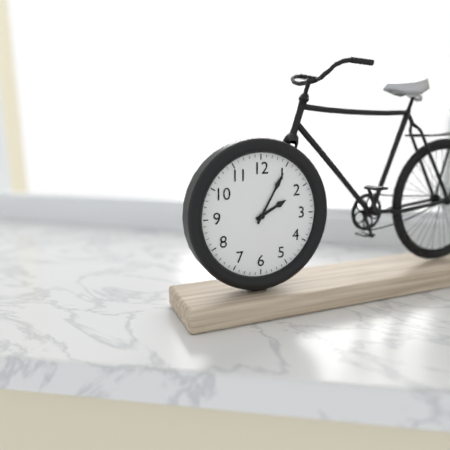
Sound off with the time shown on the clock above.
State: 2:05
